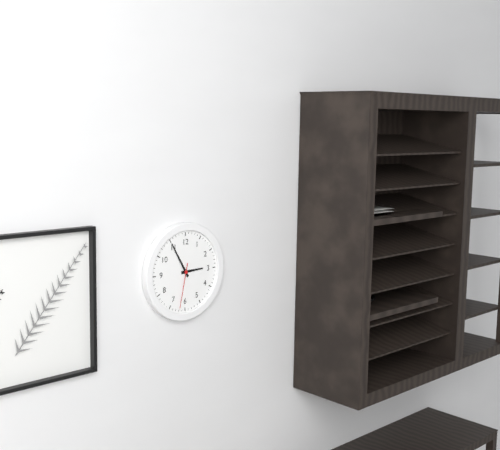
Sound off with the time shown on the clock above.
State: 2:55
